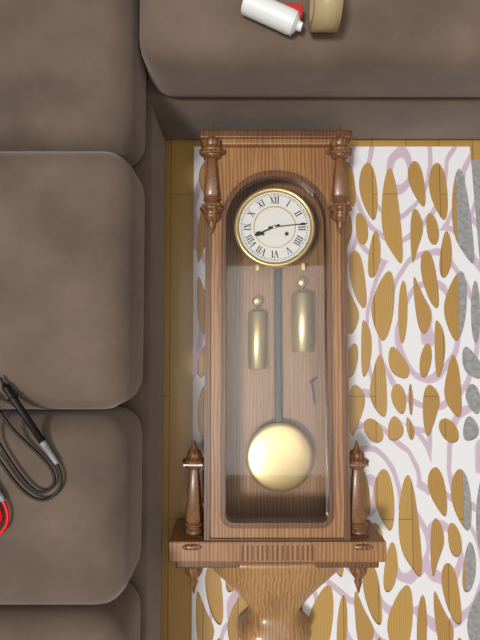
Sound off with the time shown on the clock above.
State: 8:14
